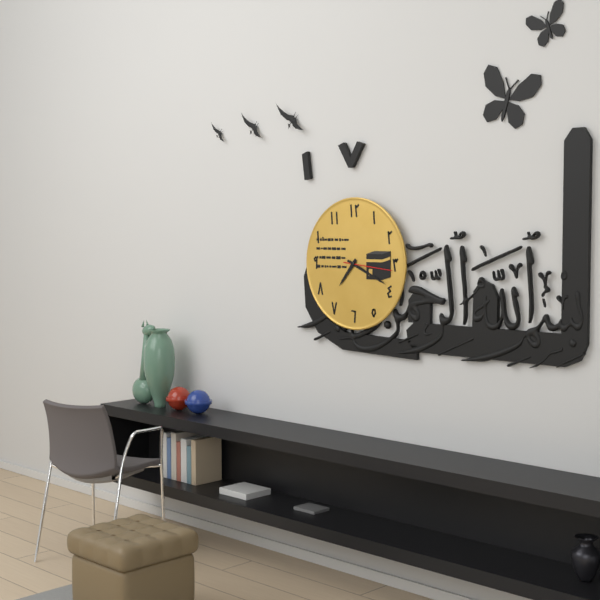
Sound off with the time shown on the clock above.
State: 7:19
